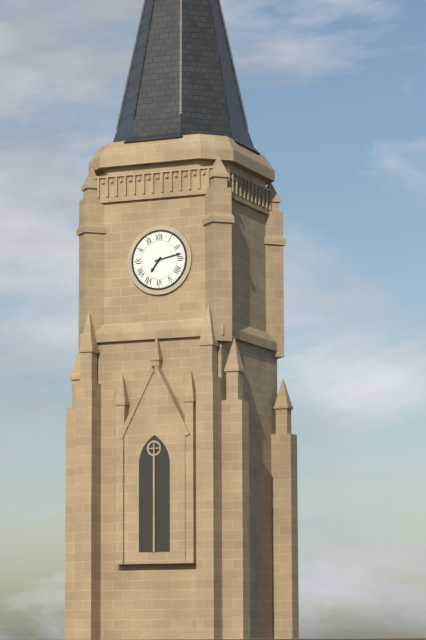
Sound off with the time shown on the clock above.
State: 7:13
